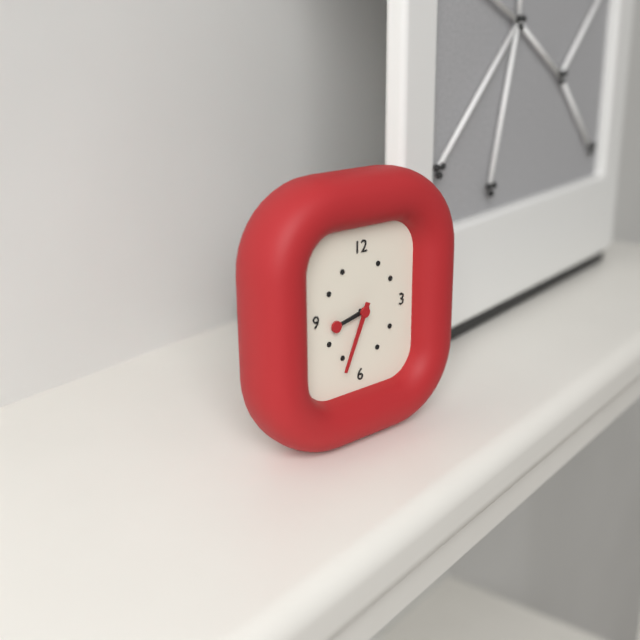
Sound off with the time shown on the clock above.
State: 8:34
